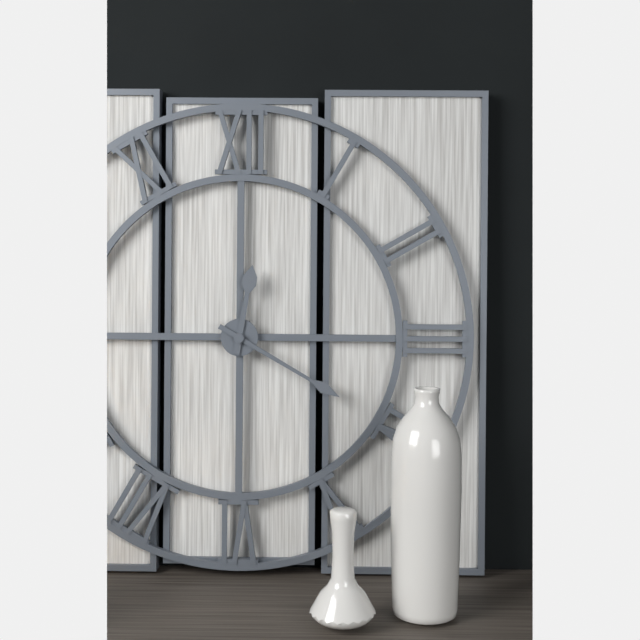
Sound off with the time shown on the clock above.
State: 12:20
